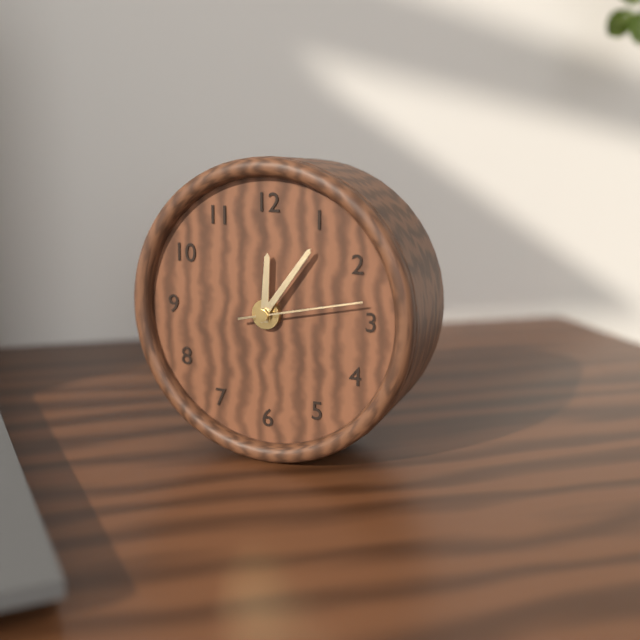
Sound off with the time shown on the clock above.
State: 12:06:13
